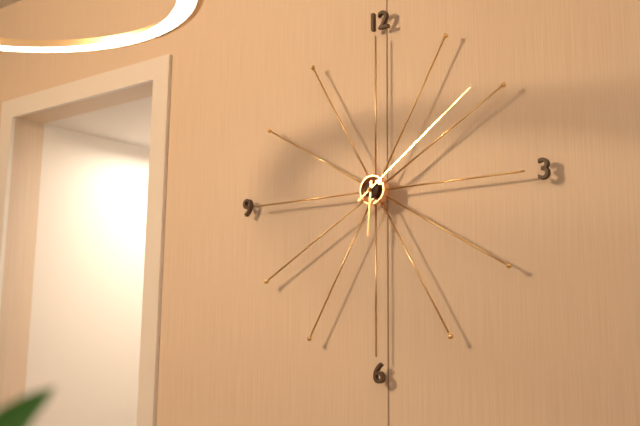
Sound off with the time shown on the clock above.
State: 6:09
